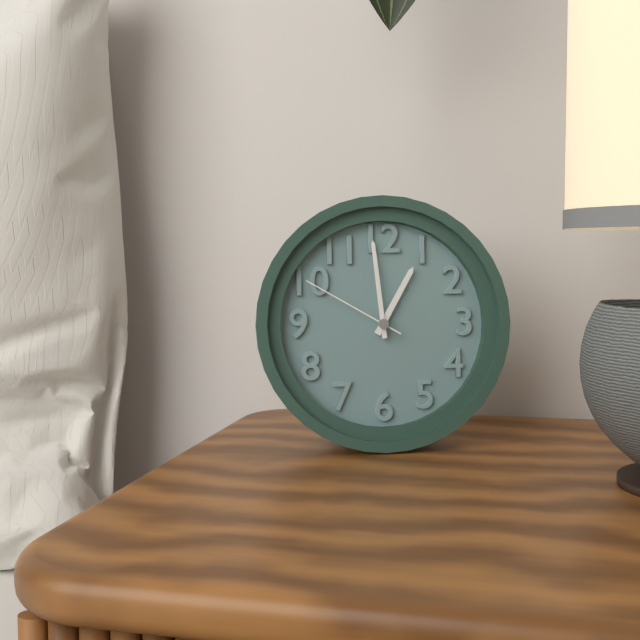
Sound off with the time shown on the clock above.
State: 12:59:50
